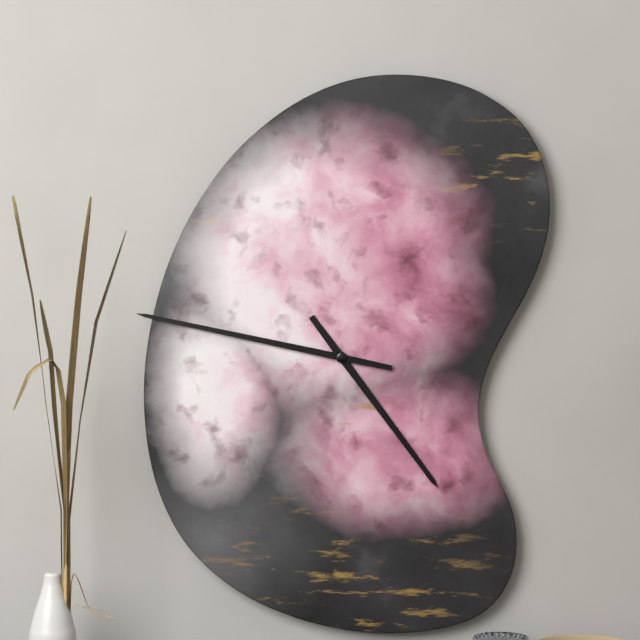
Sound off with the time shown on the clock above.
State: 4:47
